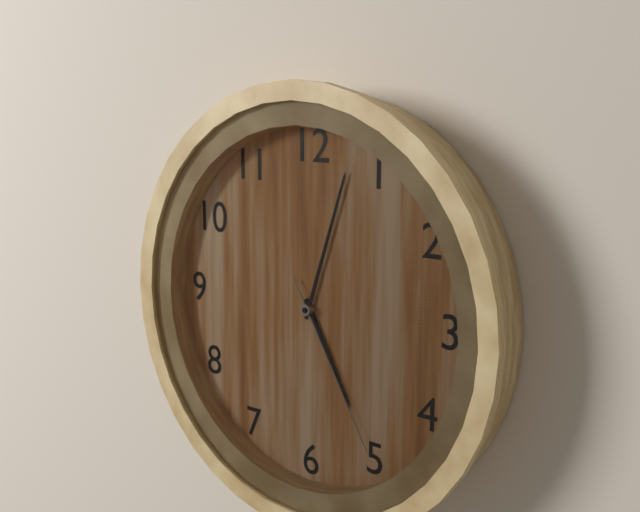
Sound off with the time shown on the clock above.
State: 5:03:25
